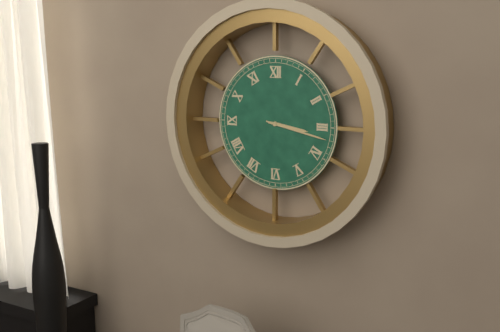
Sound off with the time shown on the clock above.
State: 3:17
